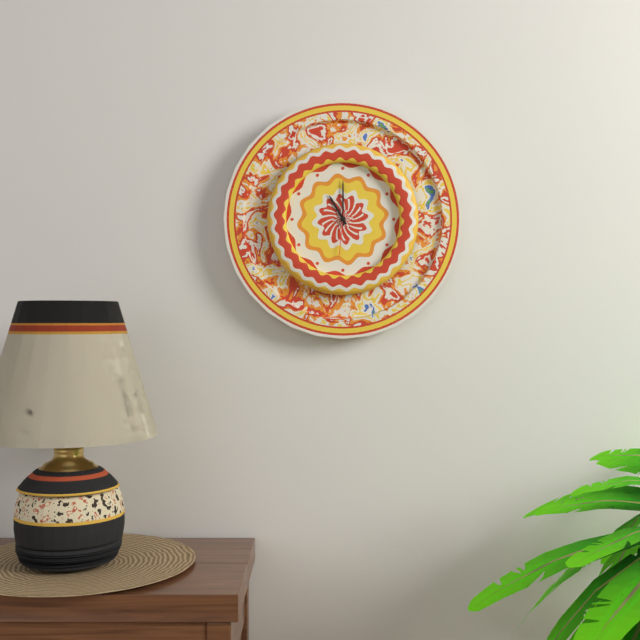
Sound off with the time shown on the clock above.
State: 11:00
